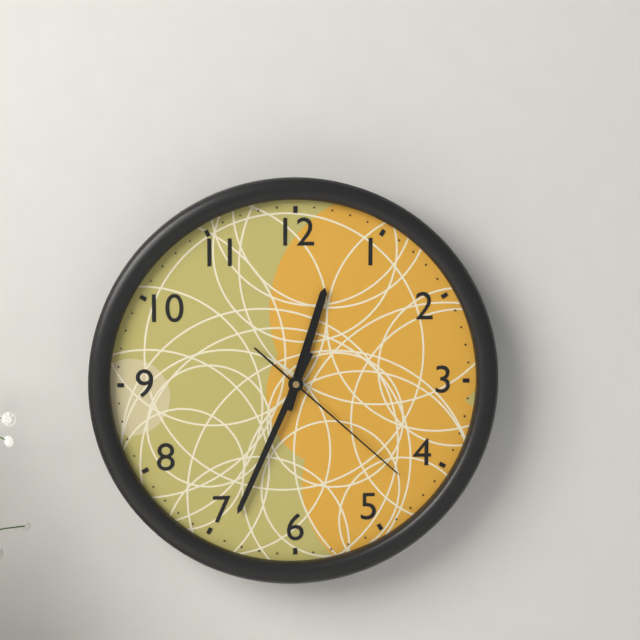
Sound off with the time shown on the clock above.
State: 12:34:22
